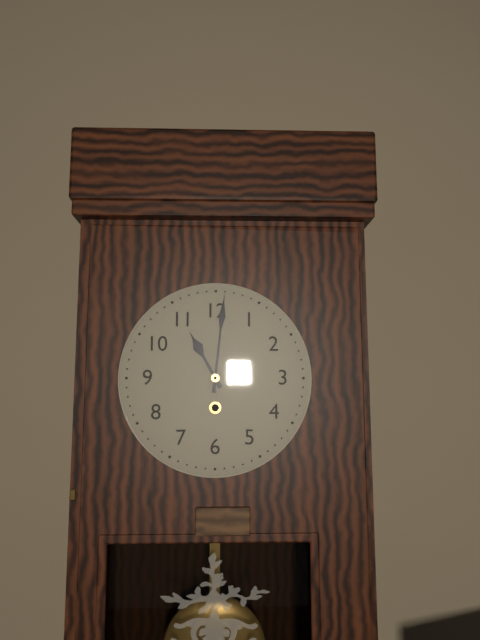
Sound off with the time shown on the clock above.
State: 11:01
